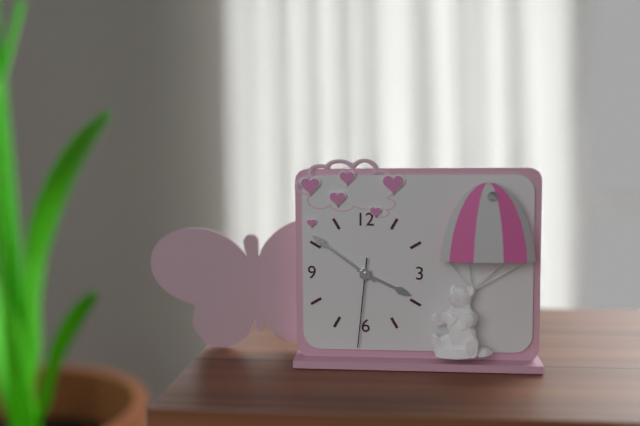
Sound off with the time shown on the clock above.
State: 3:51:31
